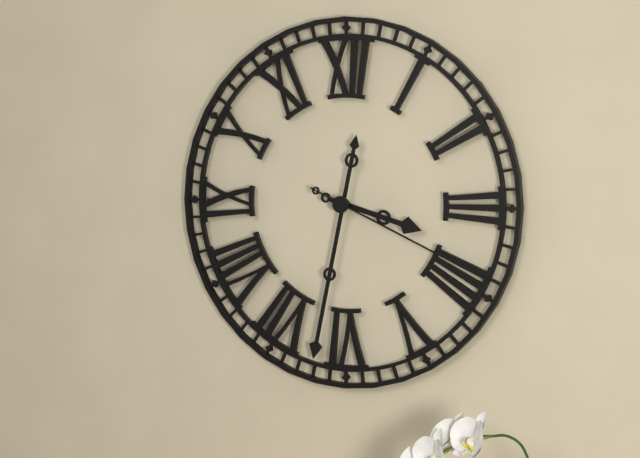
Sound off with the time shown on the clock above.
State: 3:32:19
